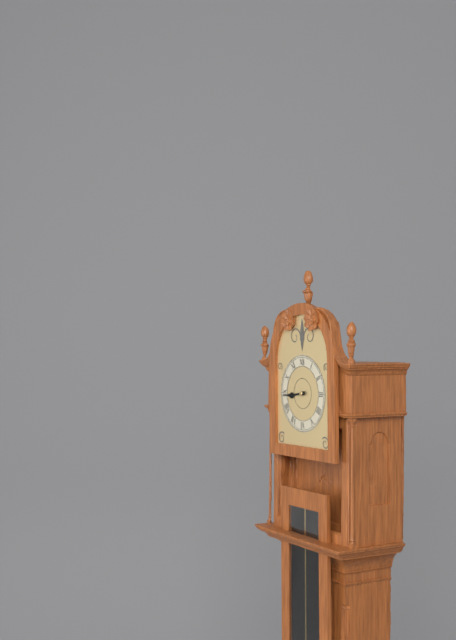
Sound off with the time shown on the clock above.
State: 8:44
